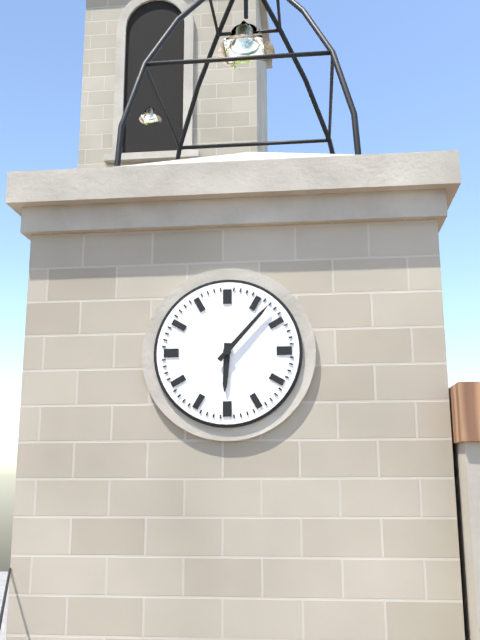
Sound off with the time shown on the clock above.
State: 6:07
